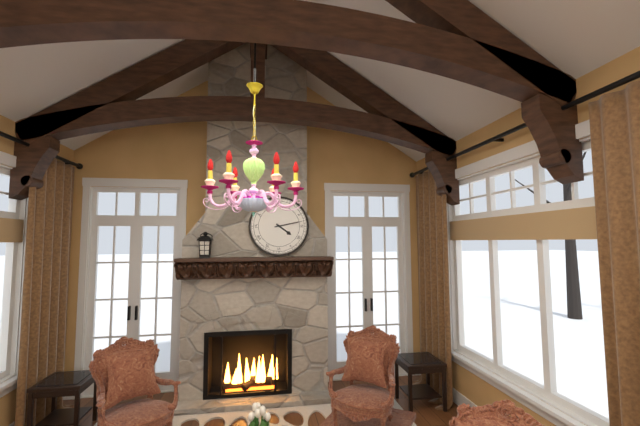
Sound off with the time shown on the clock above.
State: 4:13
